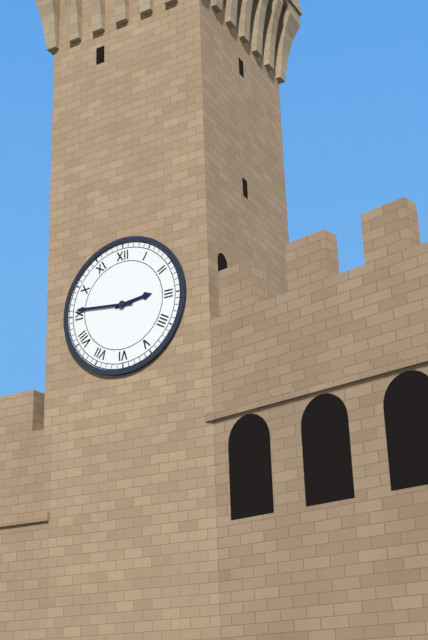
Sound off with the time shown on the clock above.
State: 2:46
